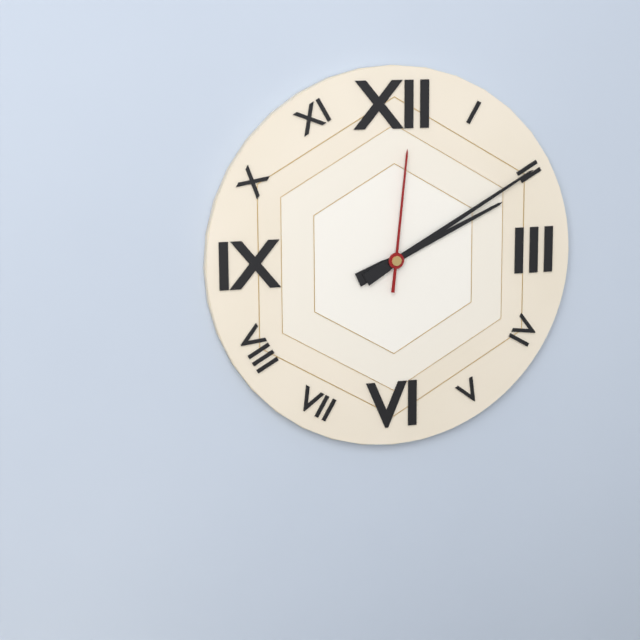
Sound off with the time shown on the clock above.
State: 2:10:01
